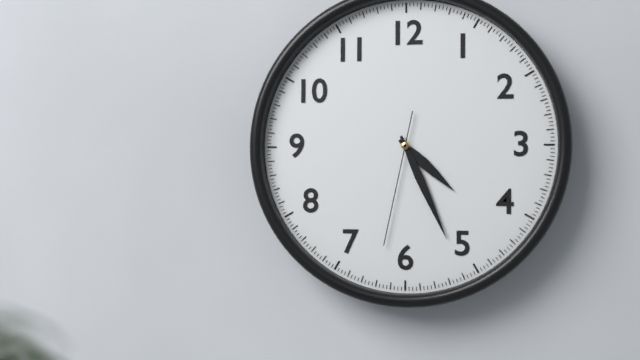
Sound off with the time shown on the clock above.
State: 4:26:32
